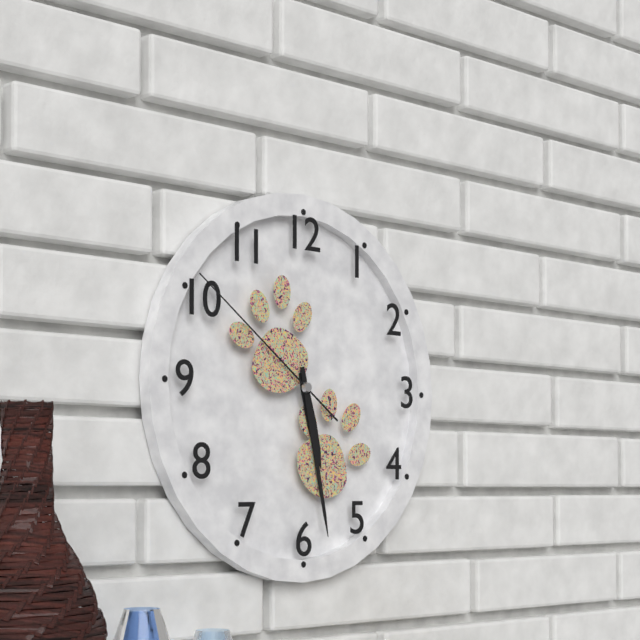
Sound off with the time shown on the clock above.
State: 5:28:51
